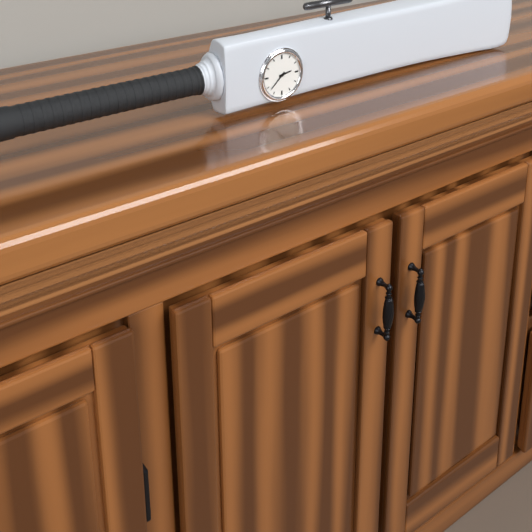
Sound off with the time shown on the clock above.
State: 2:38
